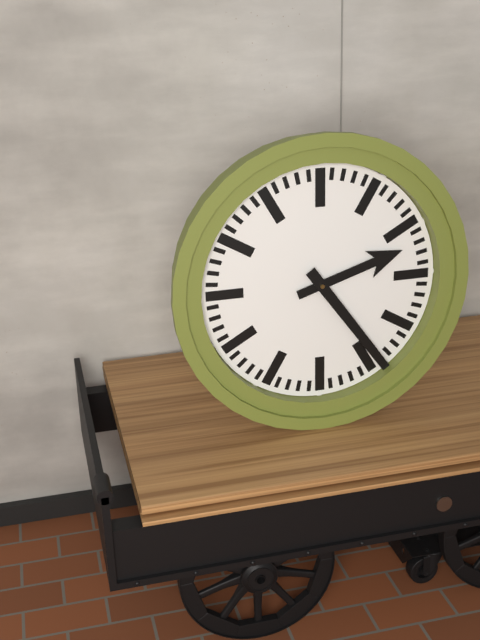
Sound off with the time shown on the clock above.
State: 2:24
